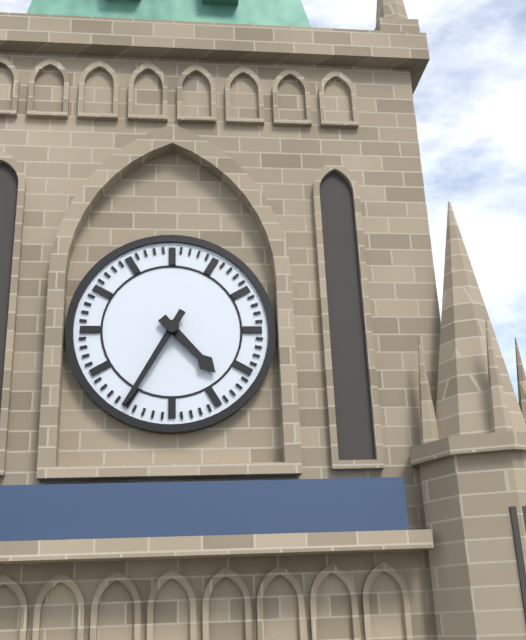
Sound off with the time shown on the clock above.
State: 4:35
